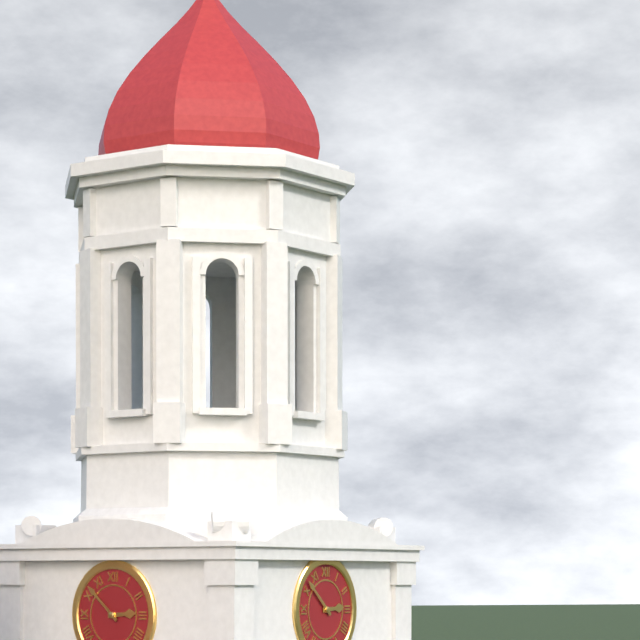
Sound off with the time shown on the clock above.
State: 2:52
